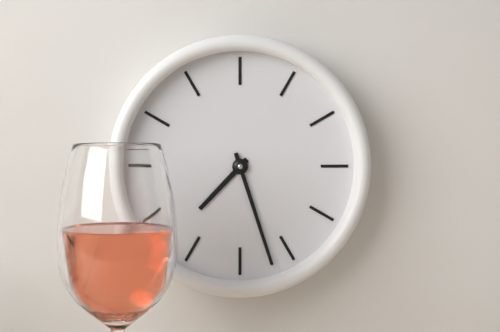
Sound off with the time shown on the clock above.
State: 7:27
